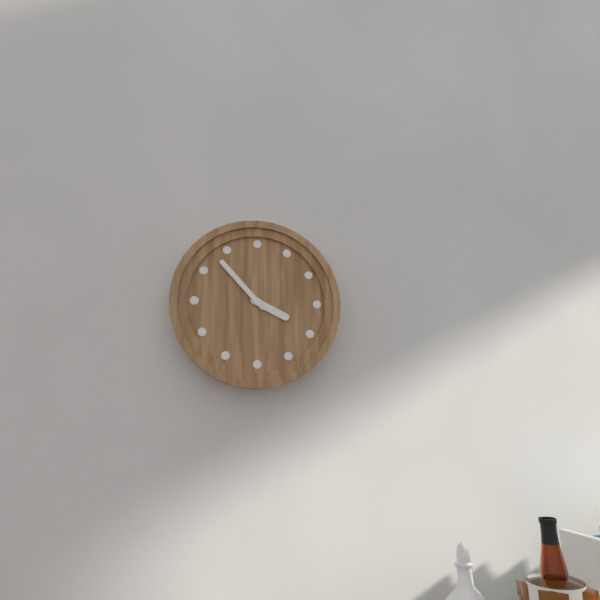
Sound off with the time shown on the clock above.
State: 3:53
